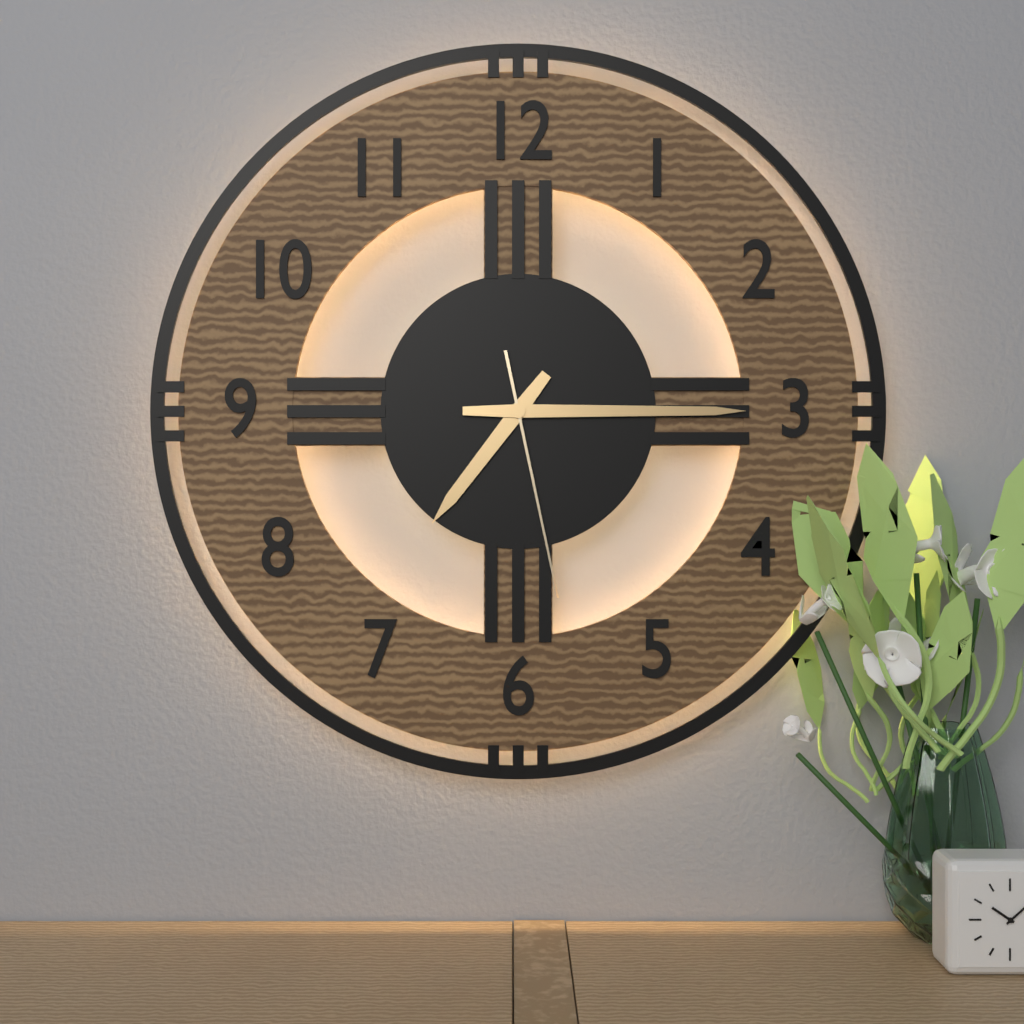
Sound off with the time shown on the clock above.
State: 7:15:28
